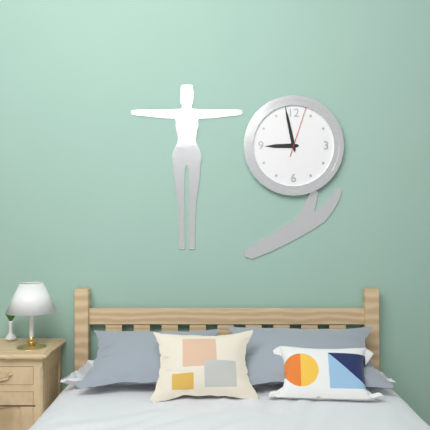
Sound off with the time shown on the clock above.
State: 8:58:03
